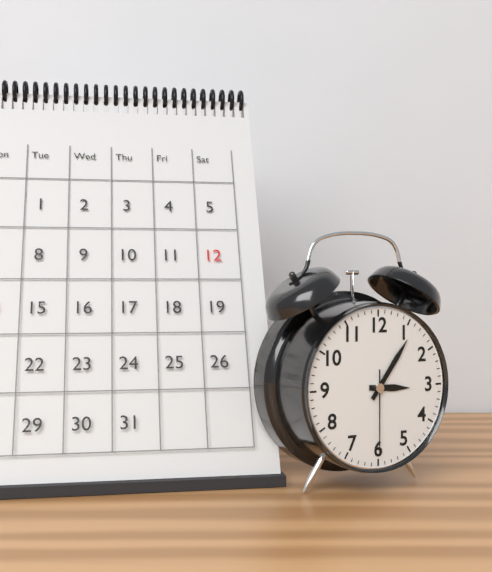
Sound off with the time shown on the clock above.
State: 3:06:30
